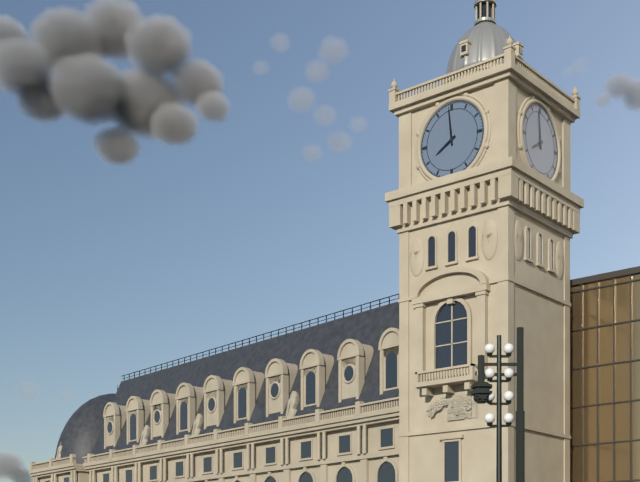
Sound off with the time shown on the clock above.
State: 7:59
